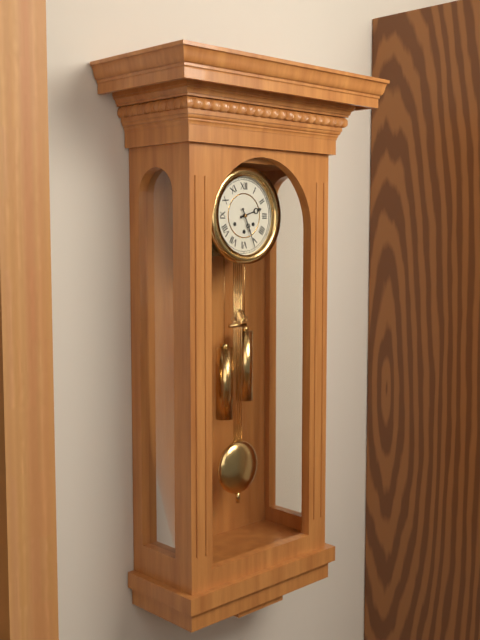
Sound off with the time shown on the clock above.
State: 2:26
